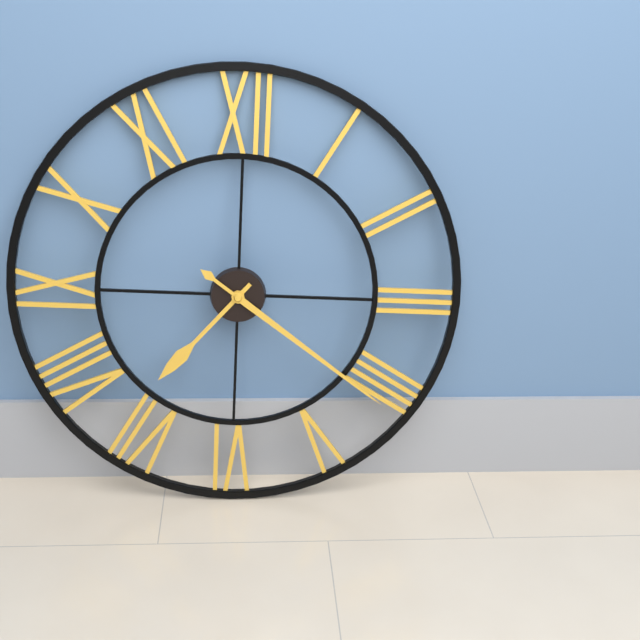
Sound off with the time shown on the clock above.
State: 7:21
